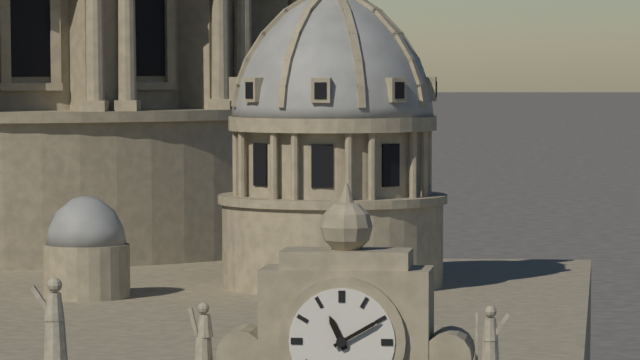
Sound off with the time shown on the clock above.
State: 11:10
